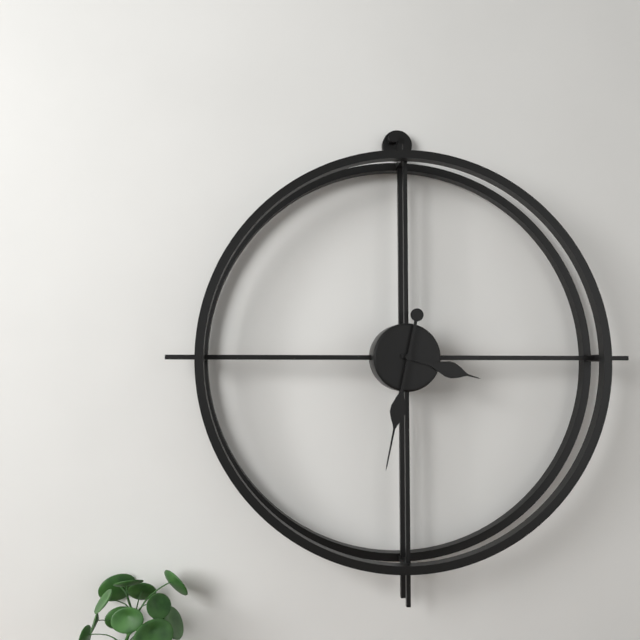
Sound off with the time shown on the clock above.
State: 3:32
